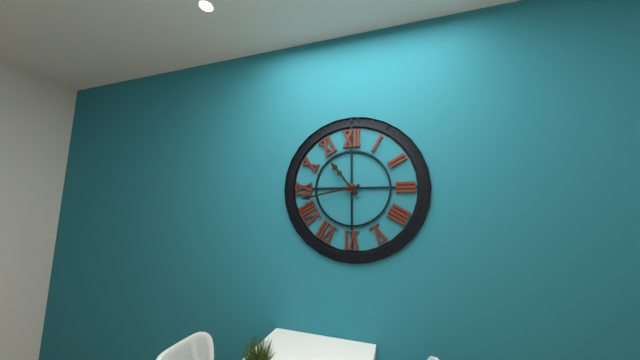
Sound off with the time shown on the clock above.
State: 10:43
